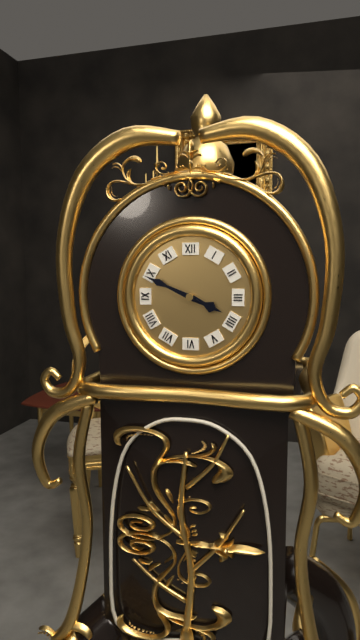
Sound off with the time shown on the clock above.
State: 3:49
